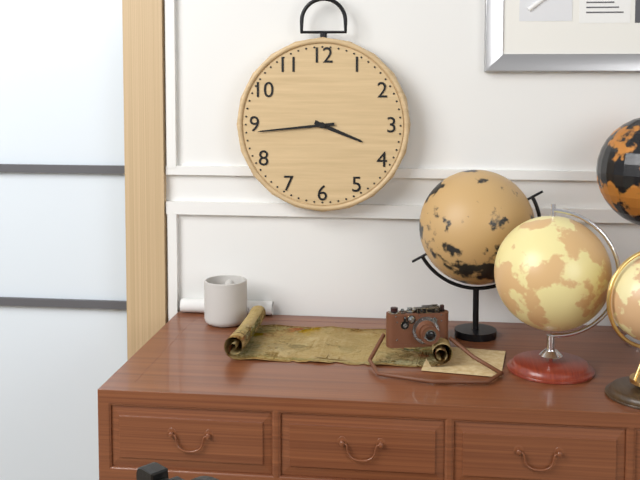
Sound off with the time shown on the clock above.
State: 3:44
